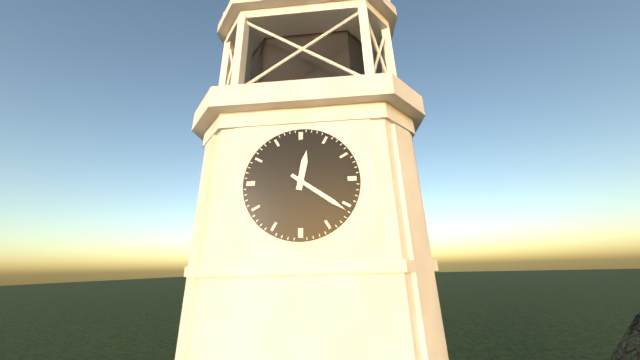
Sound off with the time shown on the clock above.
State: 12:21
